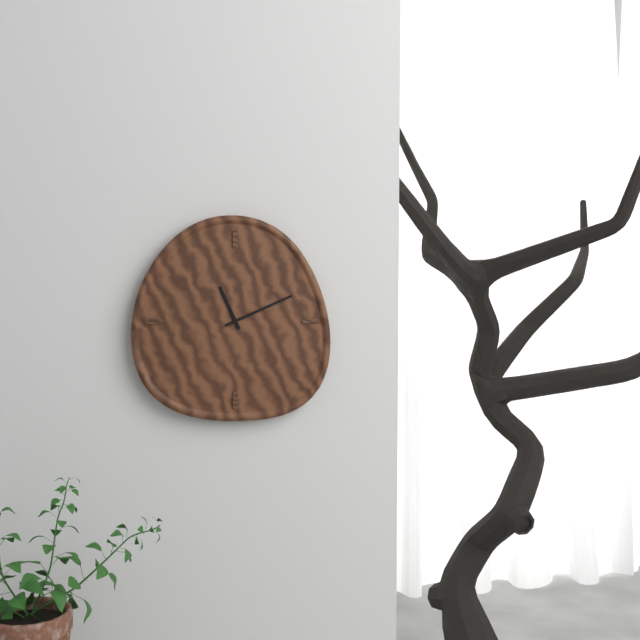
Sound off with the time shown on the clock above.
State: 11:11
